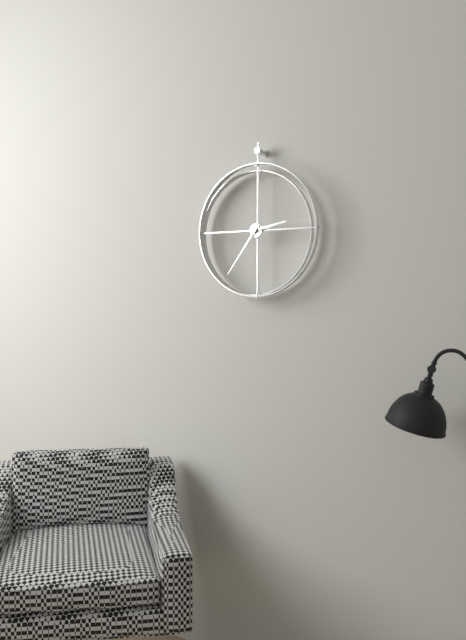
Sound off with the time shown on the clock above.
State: 2:36
